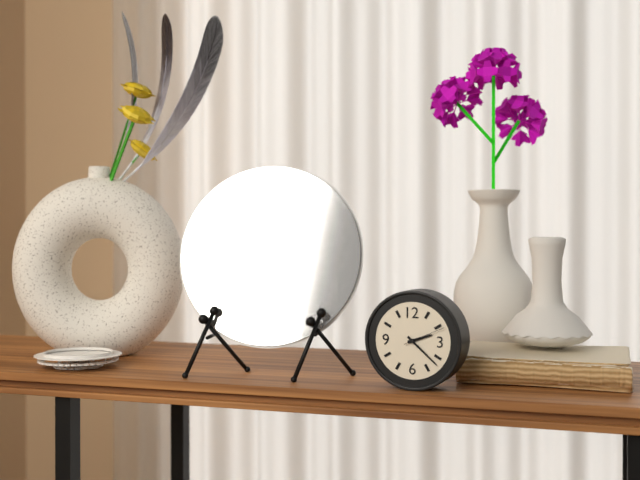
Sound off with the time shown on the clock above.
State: 2:22
